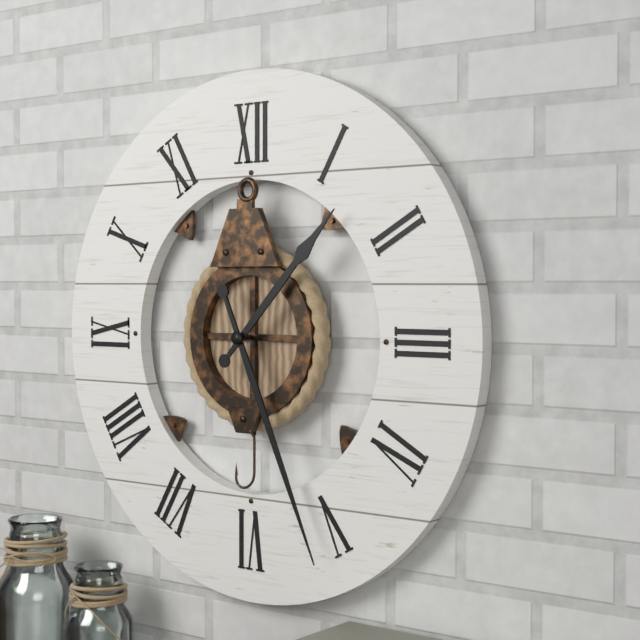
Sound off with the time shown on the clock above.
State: 1:26
